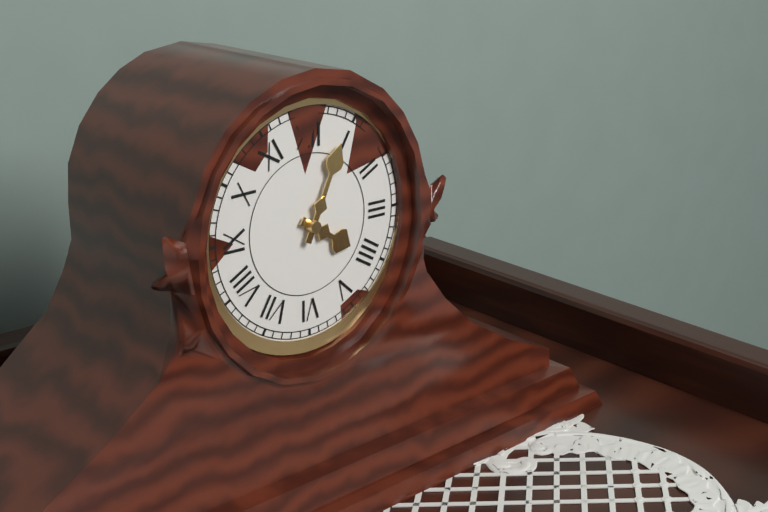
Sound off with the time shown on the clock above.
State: 4:04
